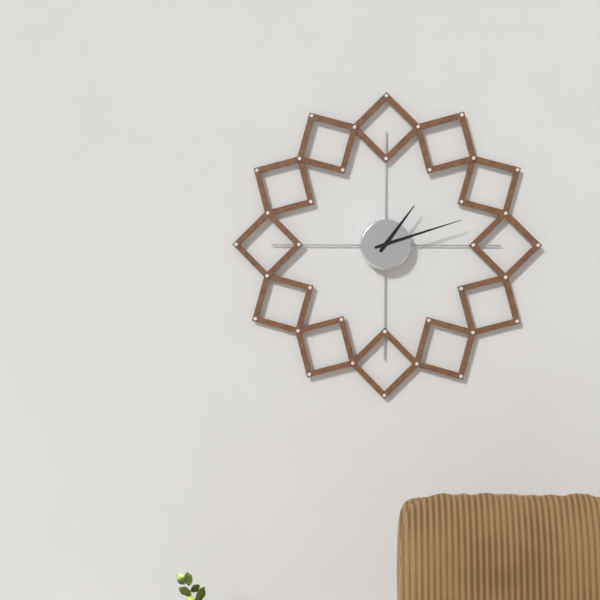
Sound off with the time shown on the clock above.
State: 1:12
